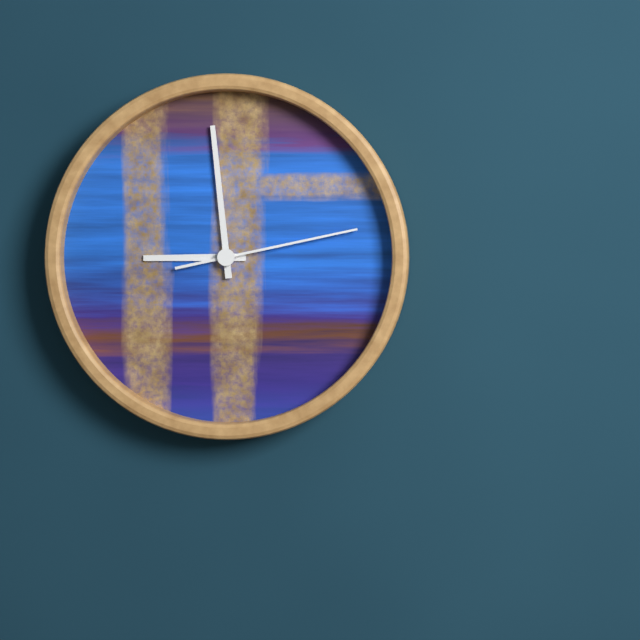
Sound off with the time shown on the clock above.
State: 8:59:13
